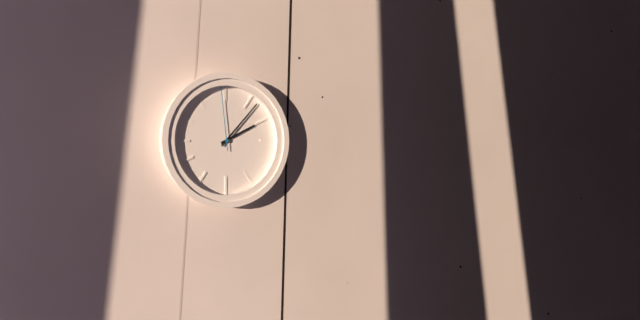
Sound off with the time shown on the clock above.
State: 2:07:59
